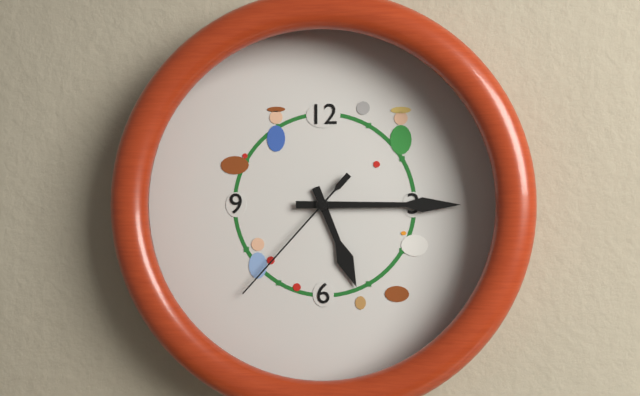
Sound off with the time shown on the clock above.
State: 5:15:37
